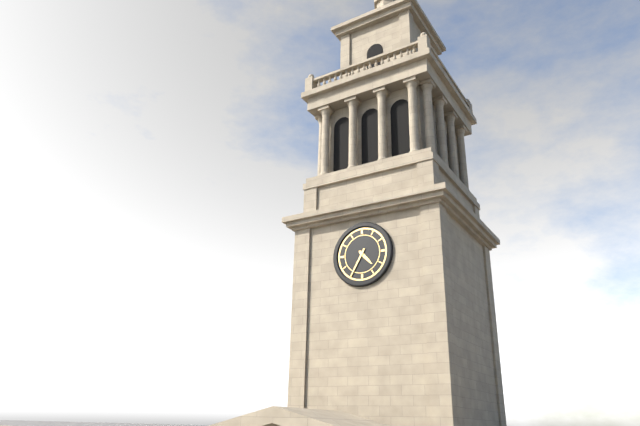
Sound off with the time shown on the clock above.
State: 4:35
